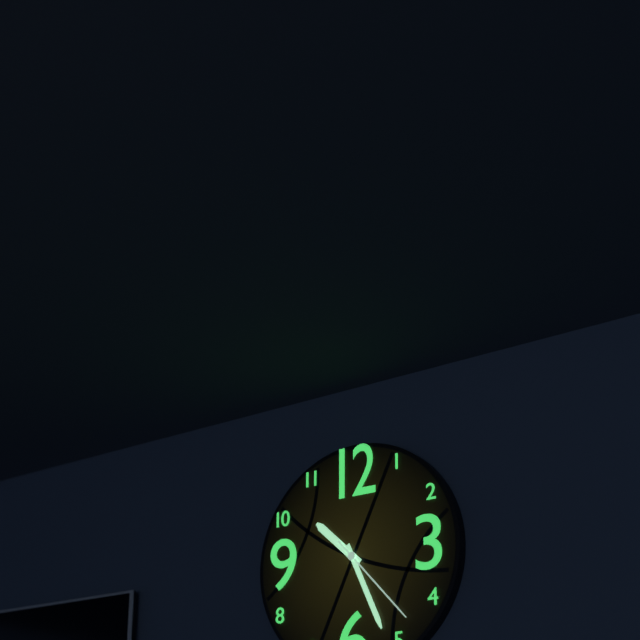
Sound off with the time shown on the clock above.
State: 10:26:23
